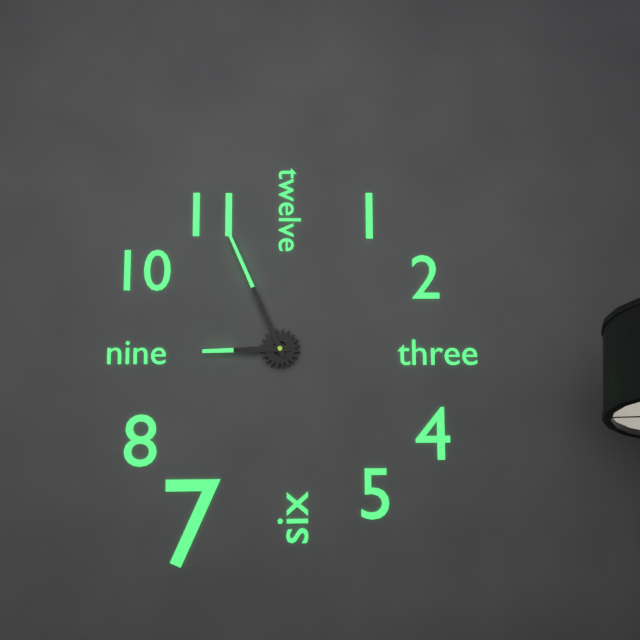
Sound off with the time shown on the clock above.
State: 8:56
